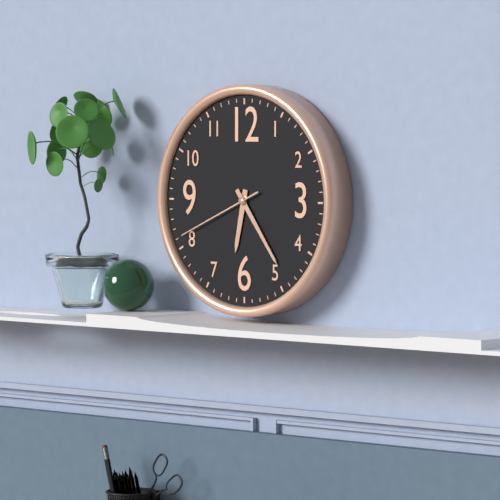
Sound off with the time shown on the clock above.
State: 6:24:41
